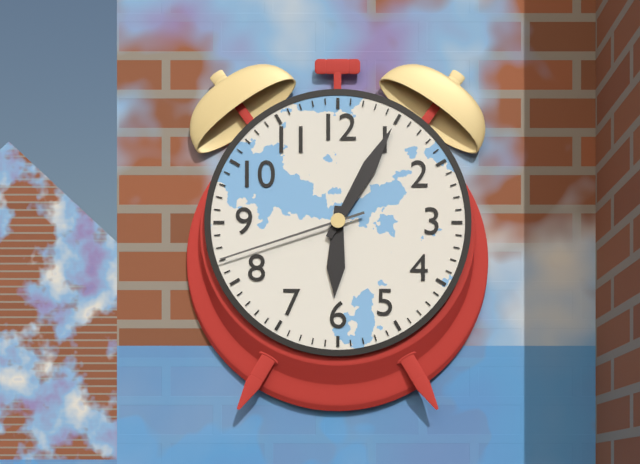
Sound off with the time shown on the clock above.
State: 6:05:42
